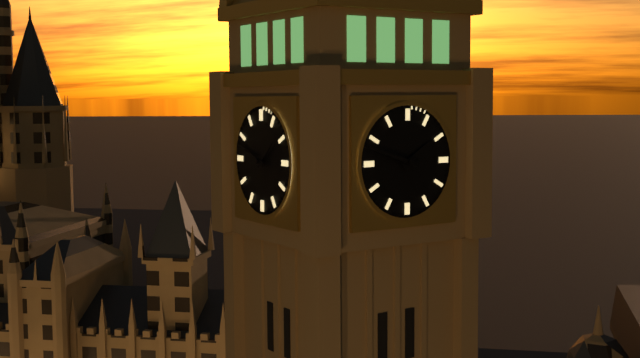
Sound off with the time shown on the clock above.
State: 1:48
